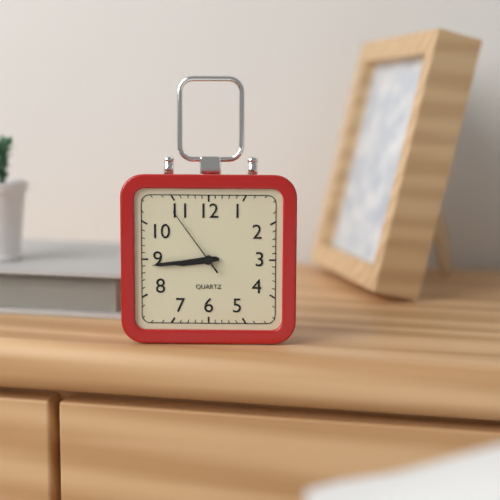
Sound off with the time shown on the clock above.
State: 8:44:54
